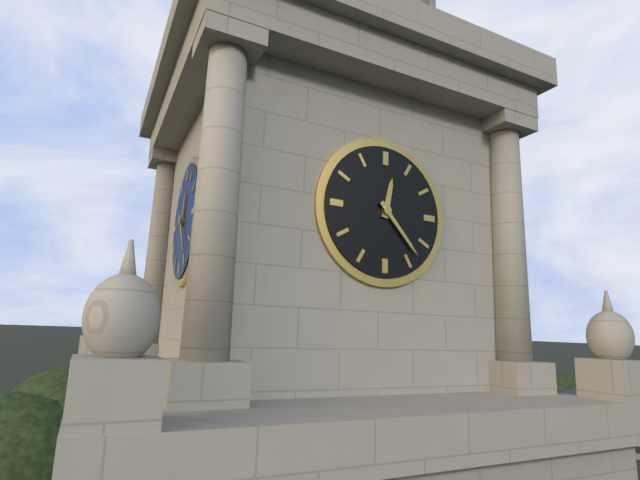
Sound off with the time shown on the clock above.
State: 12:23
